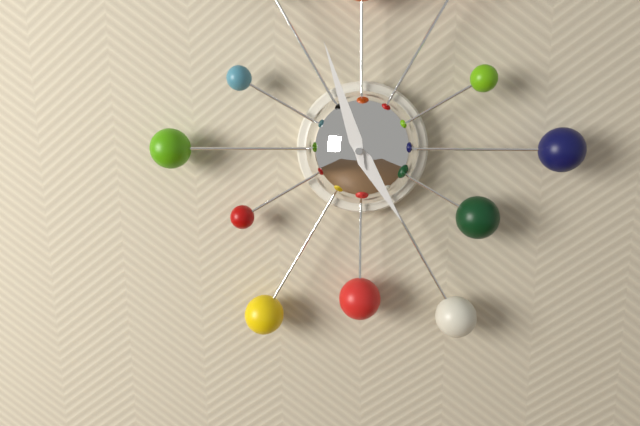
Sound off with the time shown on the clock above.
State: 4:57
